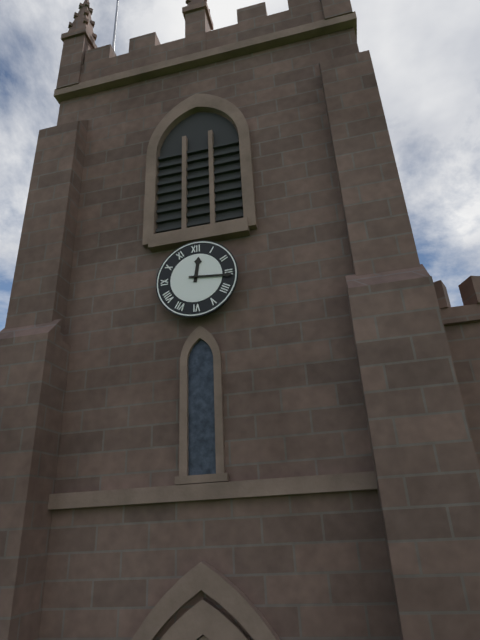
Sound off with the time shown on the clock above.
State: 12:16
